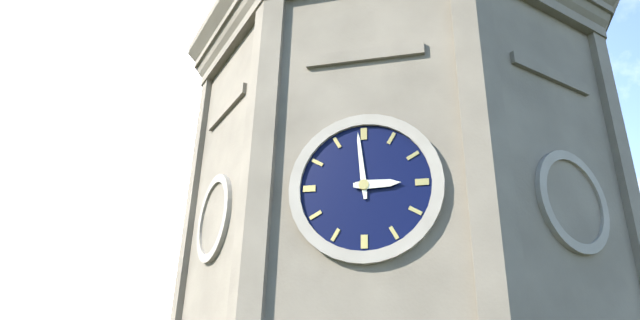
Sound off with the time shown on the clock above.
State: 2:59
